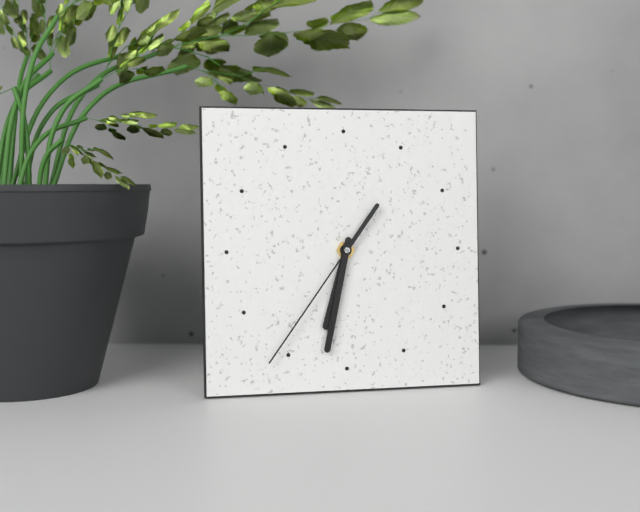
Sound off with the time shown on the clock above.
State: 6:32:36
